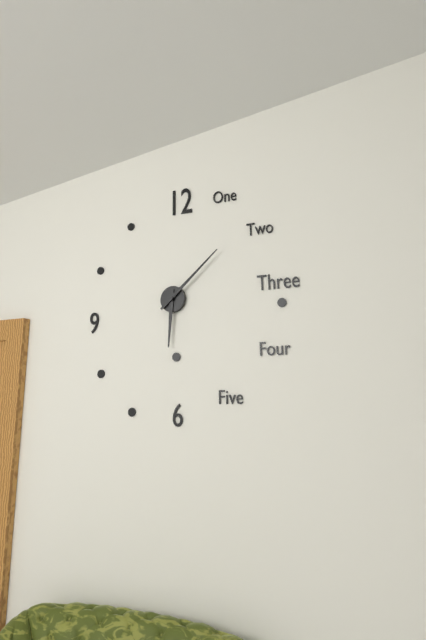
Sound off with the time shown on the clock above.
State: 6:08
